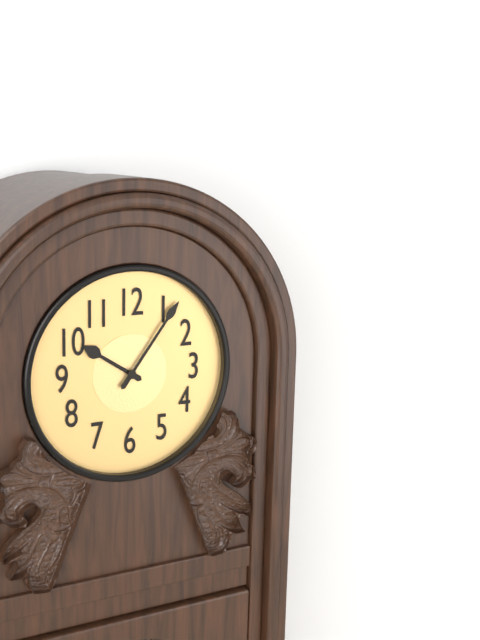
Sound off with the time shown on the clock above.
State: 10:06
